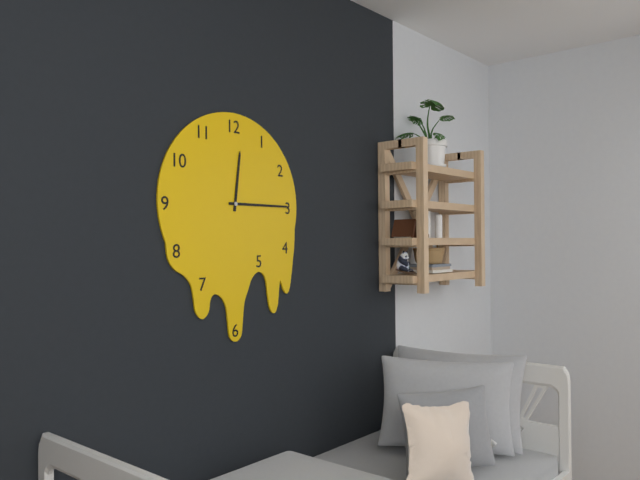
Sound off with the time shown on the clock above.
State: 12:15
